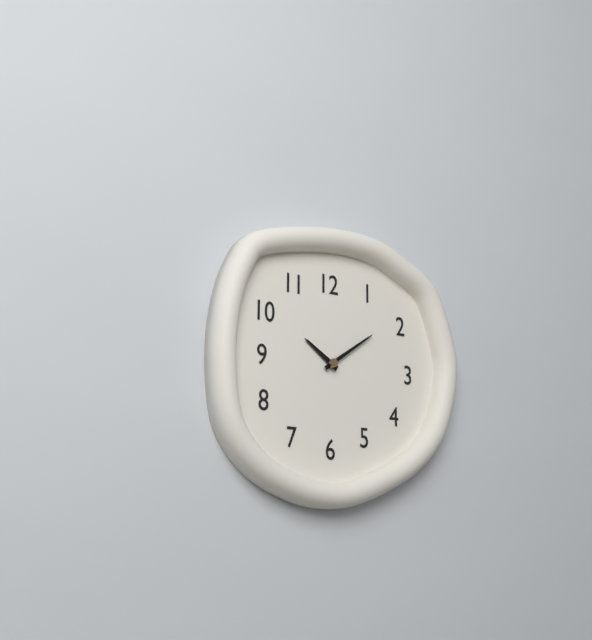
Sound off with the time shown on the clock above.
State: 10:09
